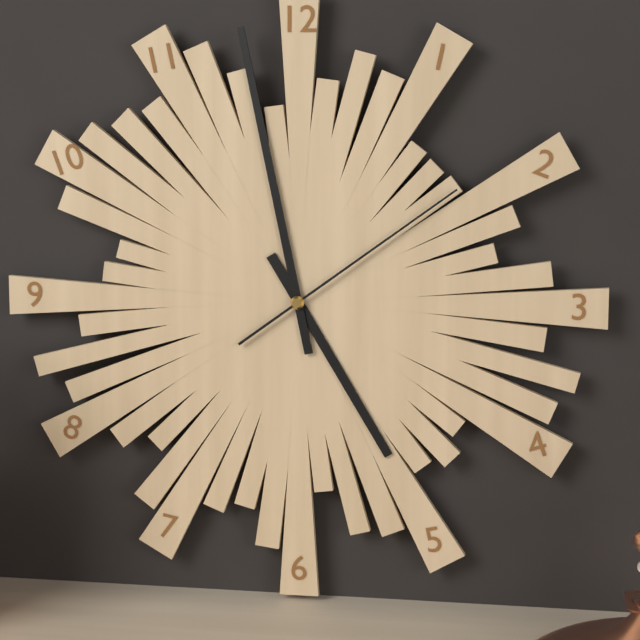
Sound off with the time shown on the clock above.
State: 4:58:09
